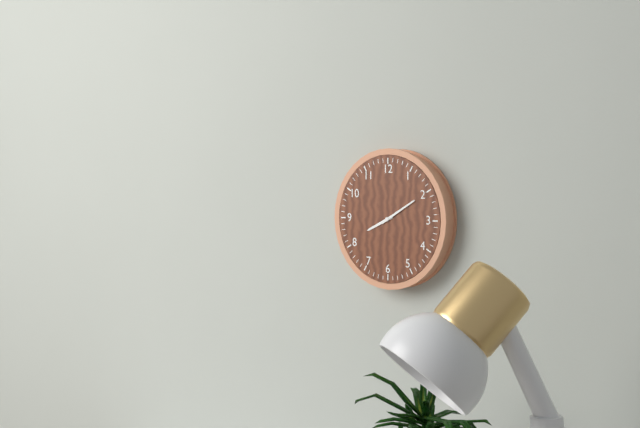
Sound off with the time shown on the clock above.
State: 8:10
